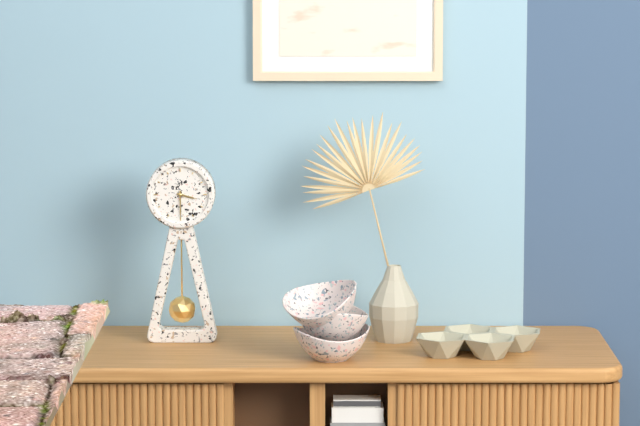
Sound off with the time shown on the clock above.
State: 3:30
